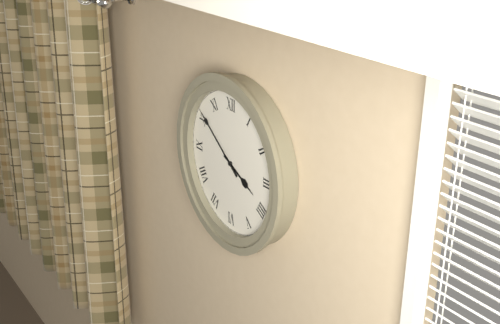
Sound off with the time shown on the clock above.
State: 3:51
